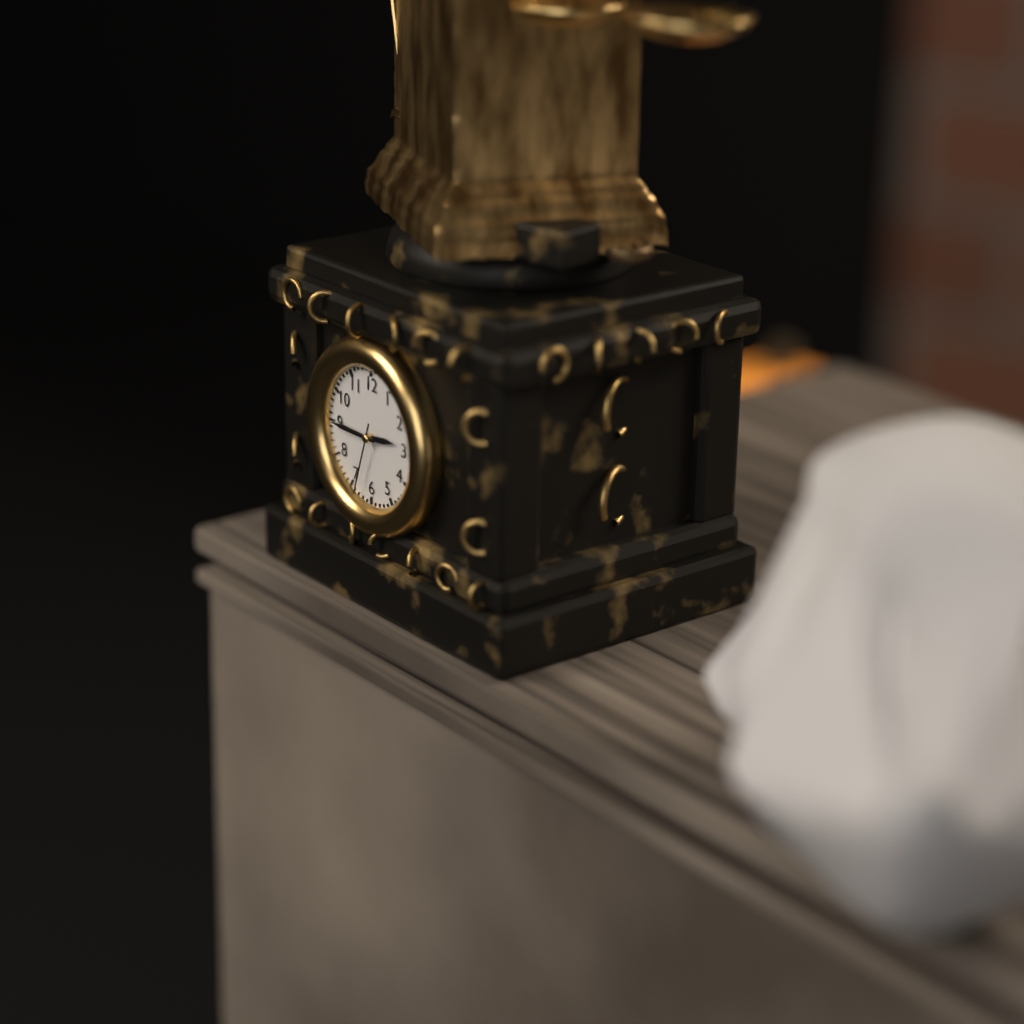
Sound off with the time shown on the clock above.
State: 2:45:33
